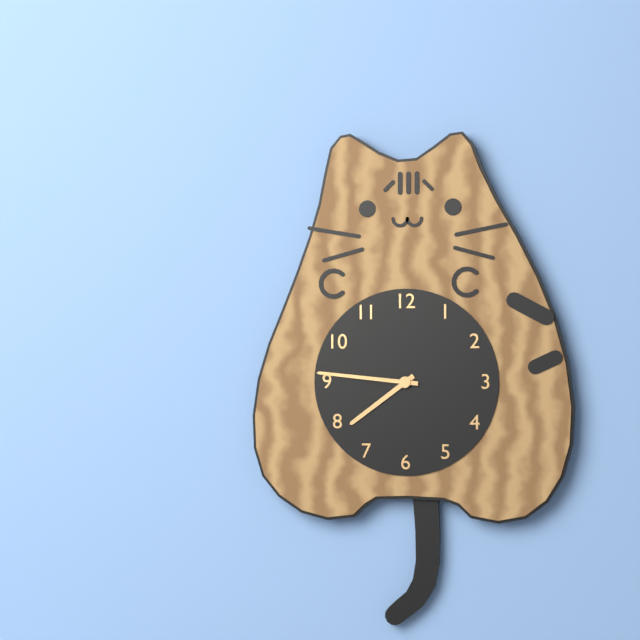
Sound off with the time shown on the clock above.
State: 7:46
